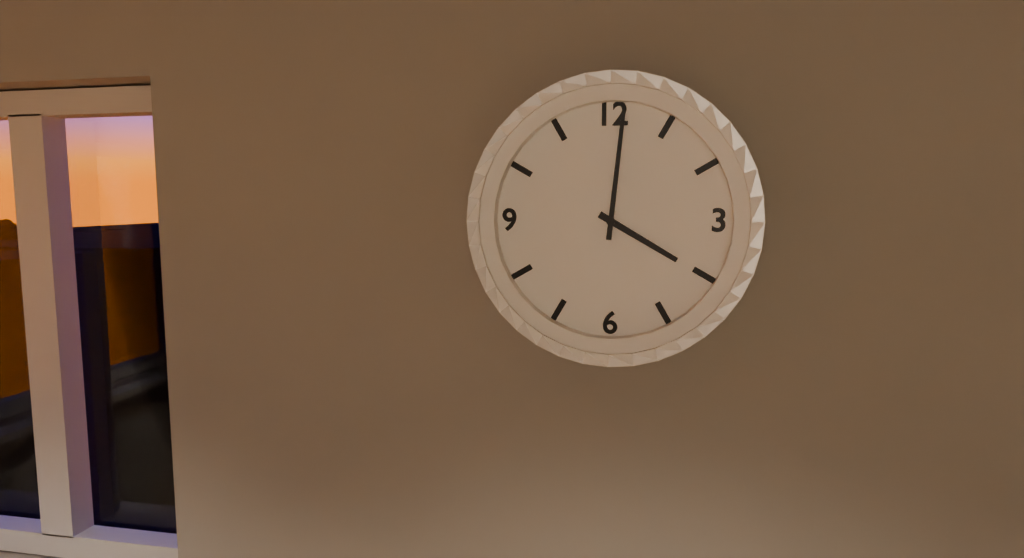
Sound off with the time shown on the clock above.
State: 4:01
